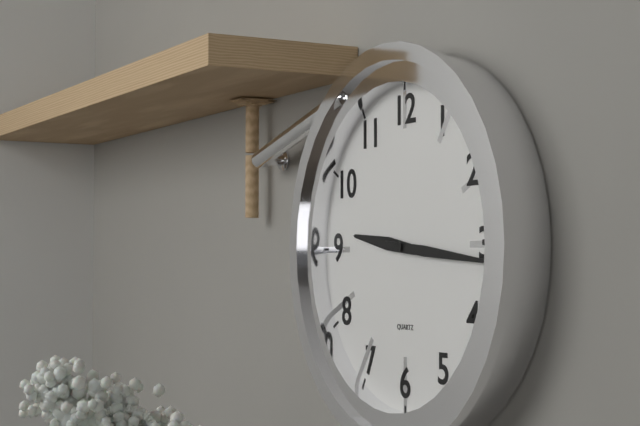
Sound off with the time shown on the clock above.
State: 9:16
